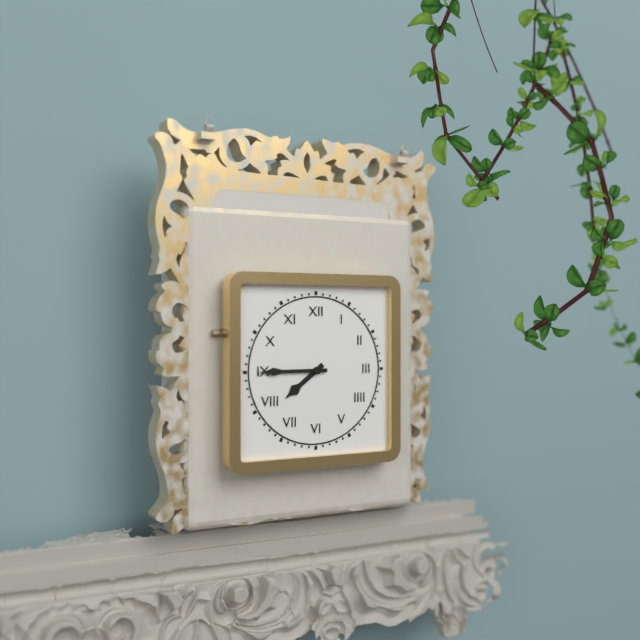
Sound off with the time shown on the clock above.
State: 7:45
